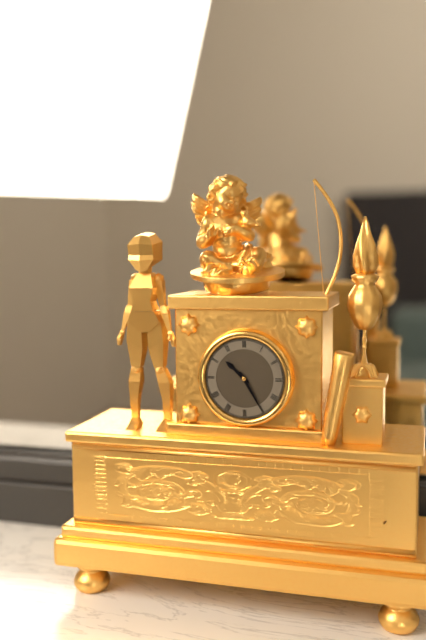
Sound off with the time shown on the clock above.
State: 10:25
